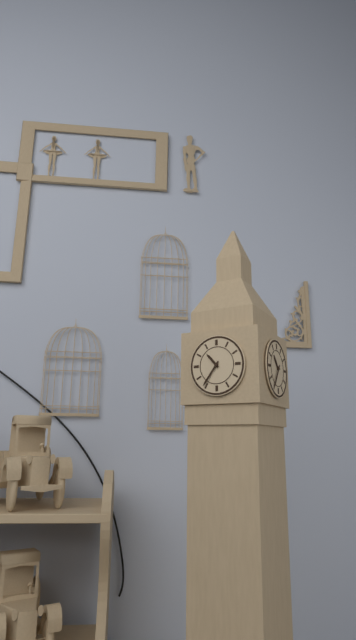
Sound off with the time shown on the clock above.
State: 10:36
